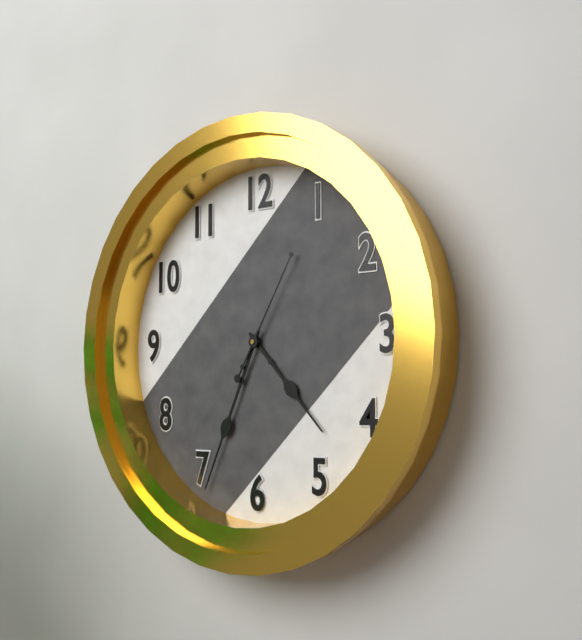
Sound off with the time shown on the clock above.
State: 4:34:05
